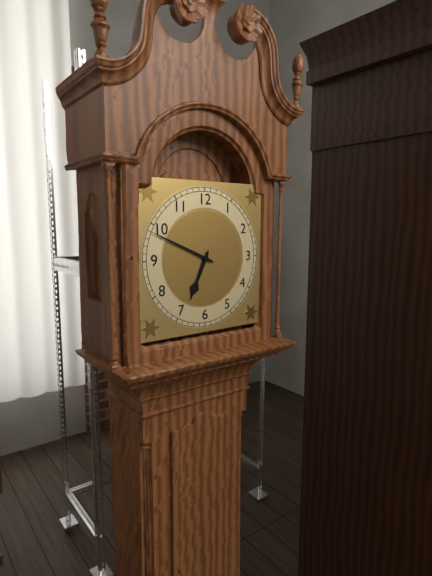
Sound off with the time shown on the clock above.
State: 6:49
